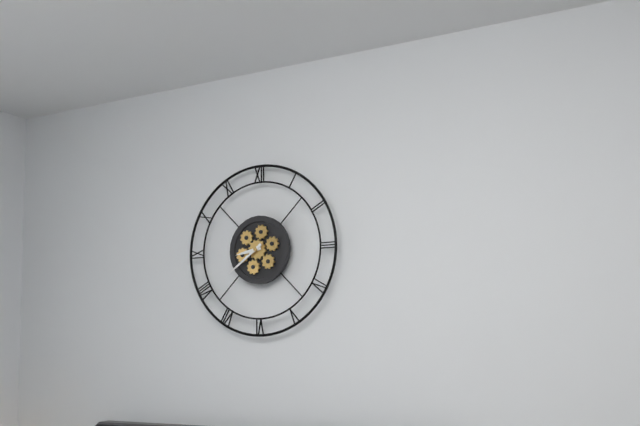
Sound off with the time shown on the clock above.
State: 8:39
